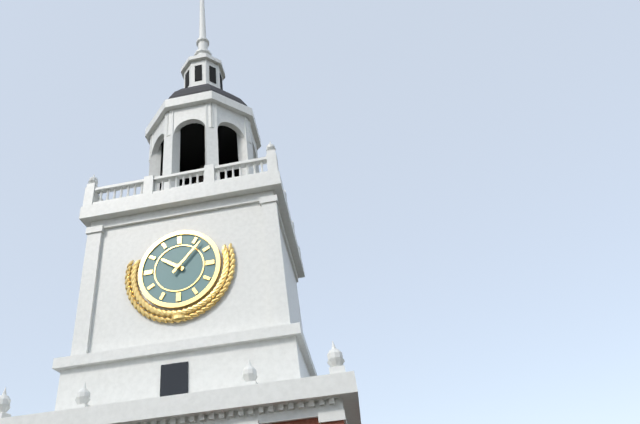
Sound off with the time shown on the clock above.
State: 10:07
